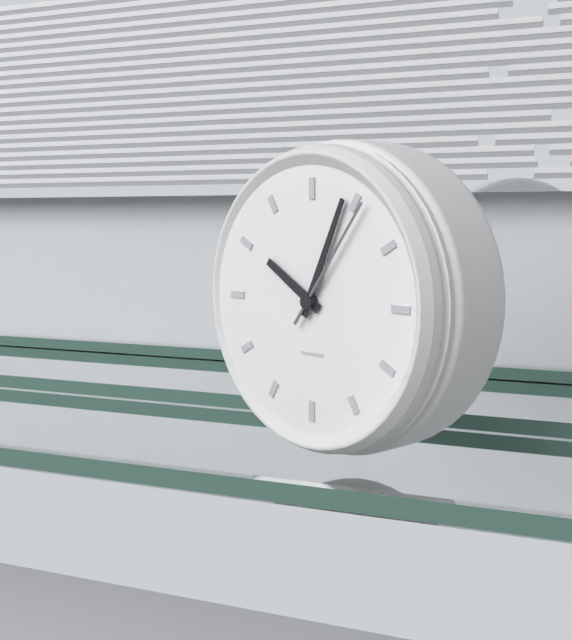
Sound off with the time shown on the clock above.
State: 10:04:06
